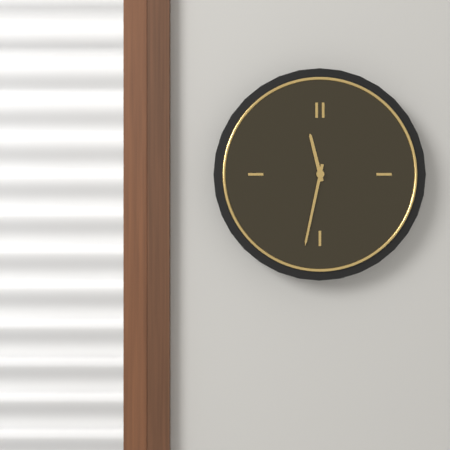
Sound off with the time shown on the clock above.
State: 11:32
